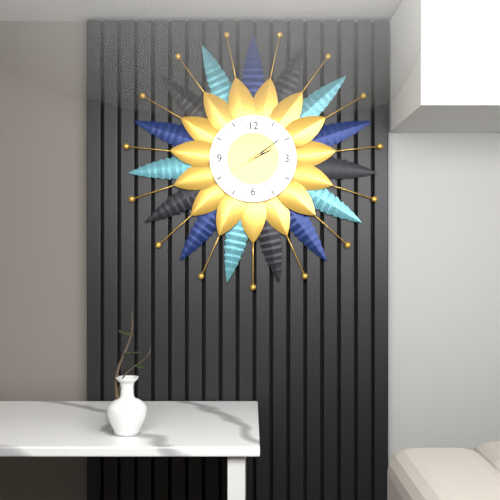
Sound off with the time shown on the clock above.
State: 2:09
